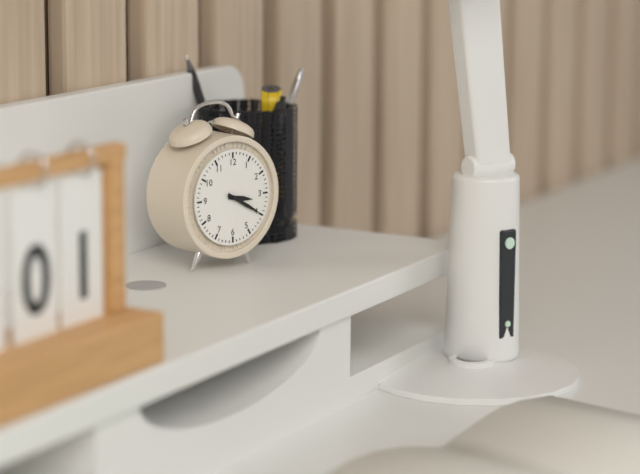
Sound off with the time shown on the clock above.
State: 3:20
